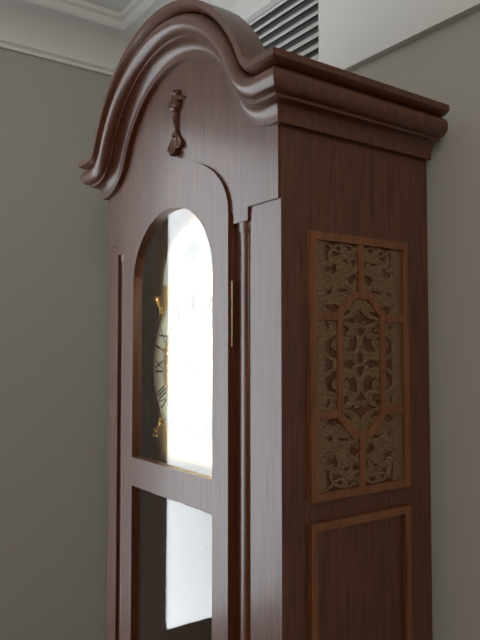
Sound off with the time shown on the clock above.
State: 2:48
